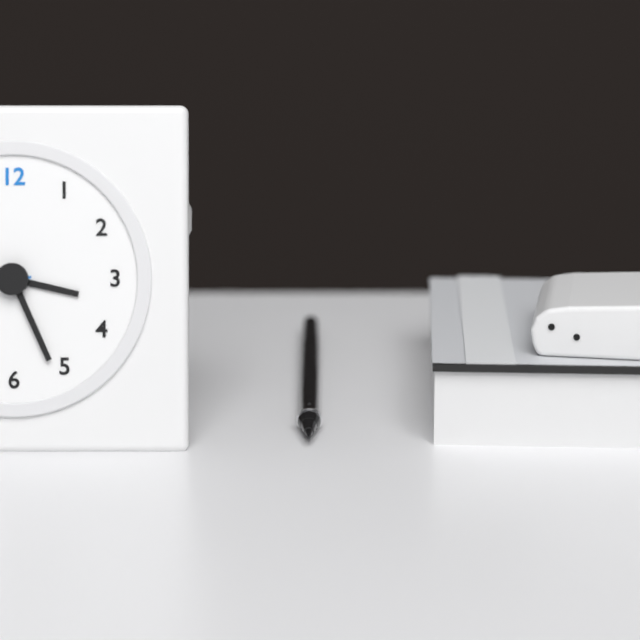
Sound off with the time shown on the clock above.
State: 3:26
